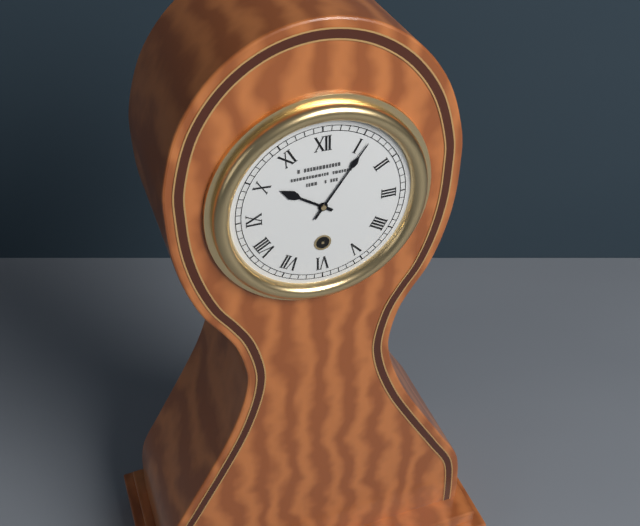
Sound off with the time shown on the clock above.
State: 10:06
